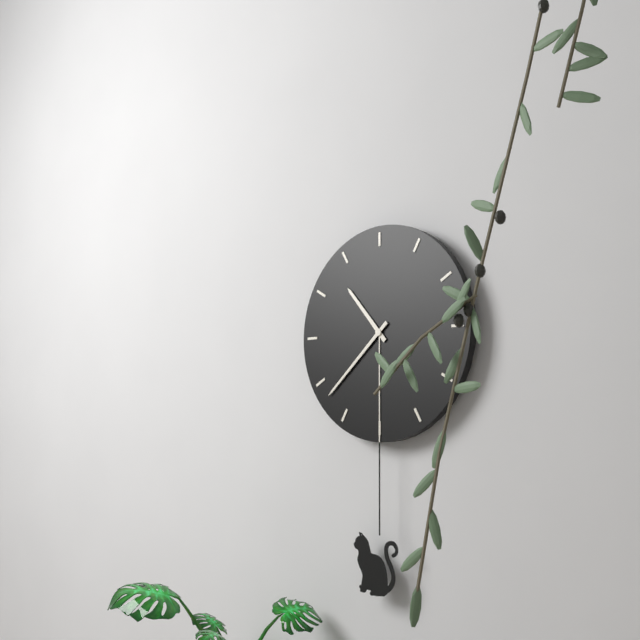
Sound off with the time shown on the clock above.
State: 10:38
